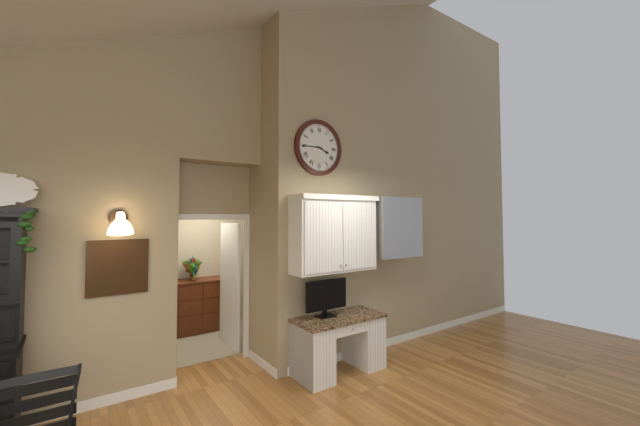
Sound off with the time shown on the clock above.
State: 3:45
